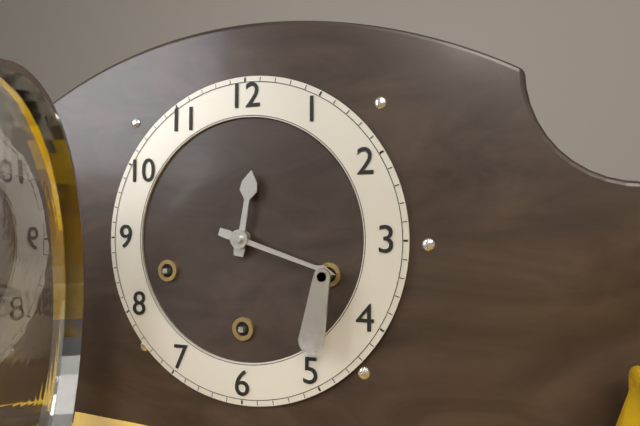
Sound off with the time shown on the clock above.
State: 12:18
